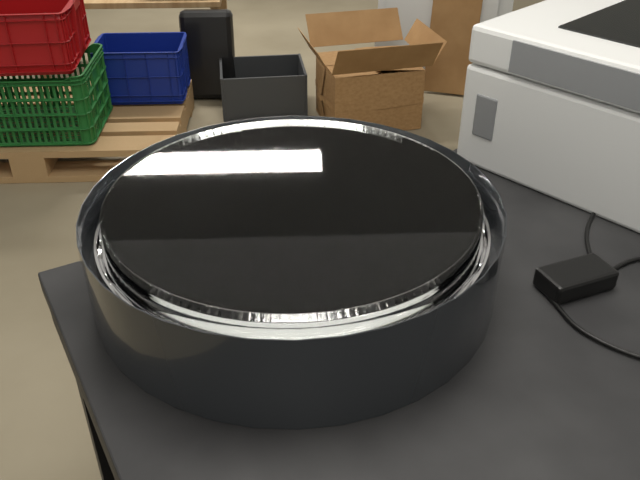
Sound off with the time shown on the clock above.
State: 12:49
